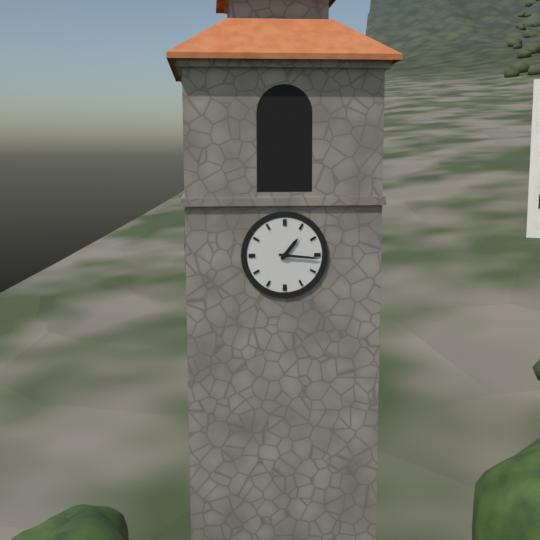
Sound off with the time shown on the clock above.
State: 1:16
